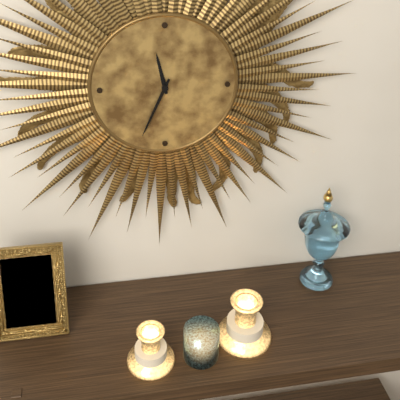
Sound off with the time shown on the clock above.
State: 11:34
